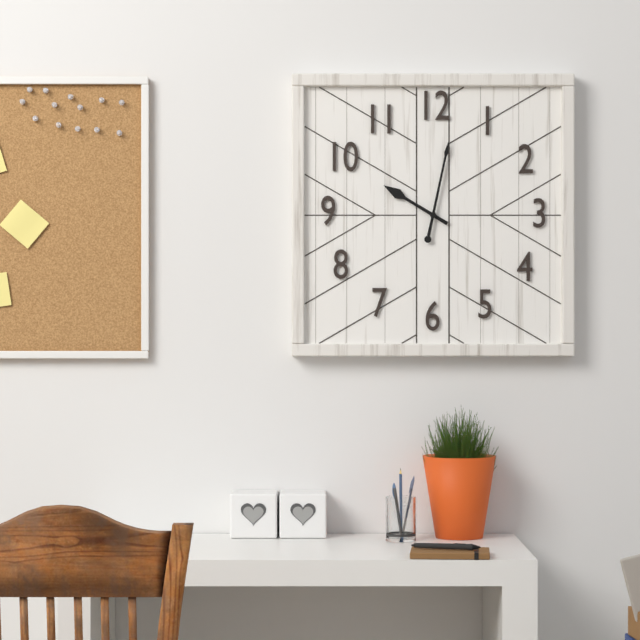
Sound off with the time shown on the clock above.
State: 10:02
